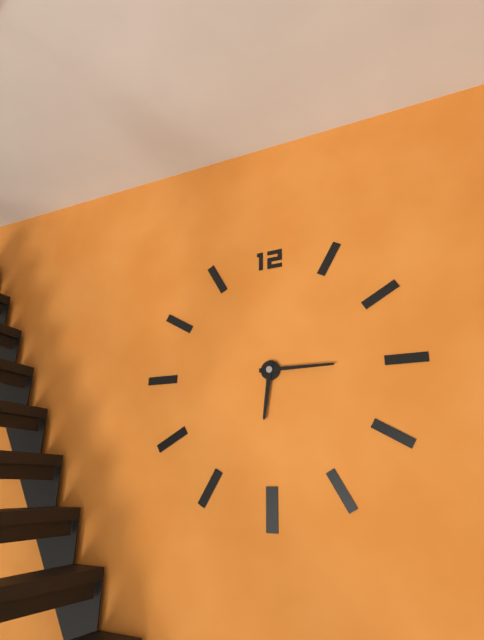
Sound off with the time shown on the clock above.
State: 6:15
